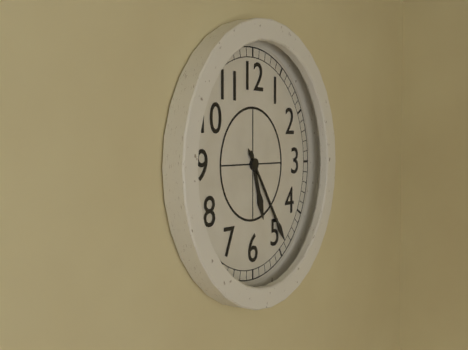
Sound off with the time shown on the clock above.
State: 5:24
